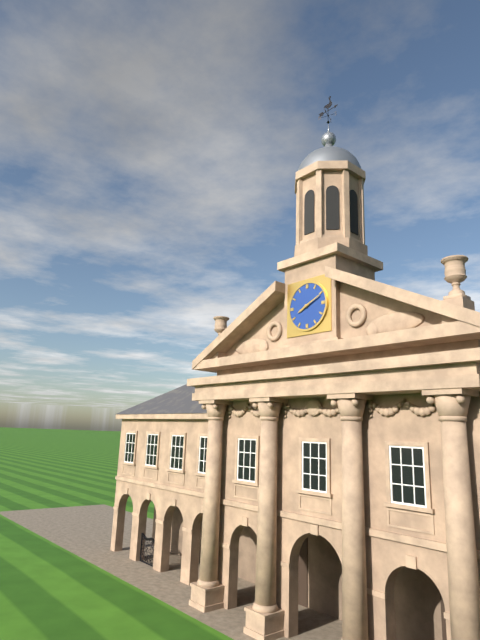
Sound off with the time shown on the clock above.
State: 8:11
